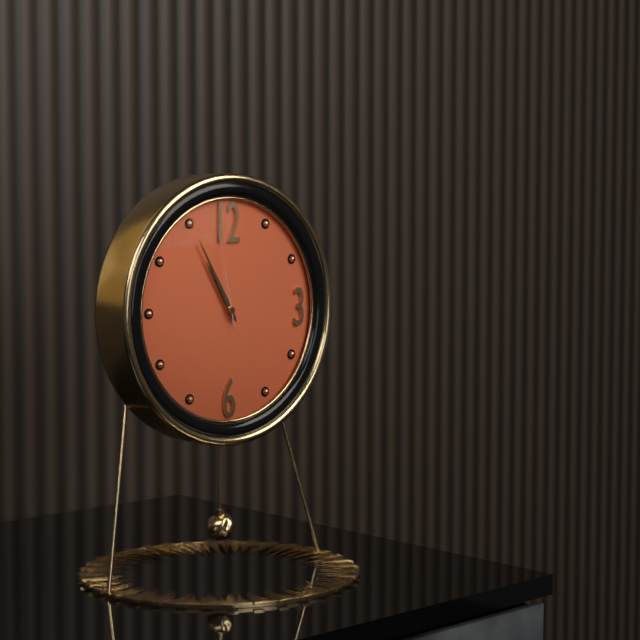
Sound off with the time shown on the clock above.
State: 10:55:58
